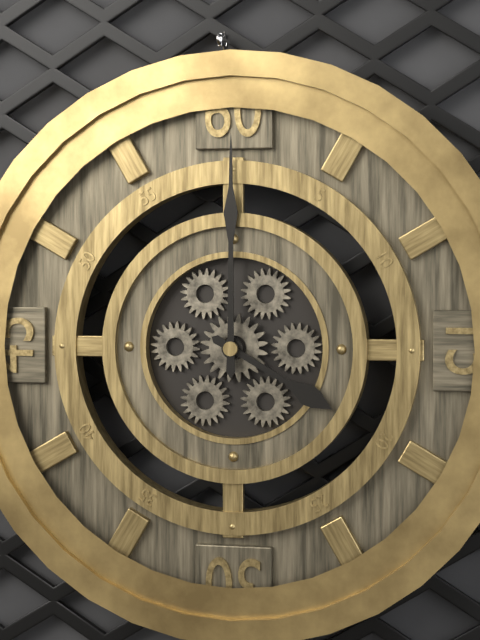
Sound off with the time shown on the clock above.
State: 4:00
